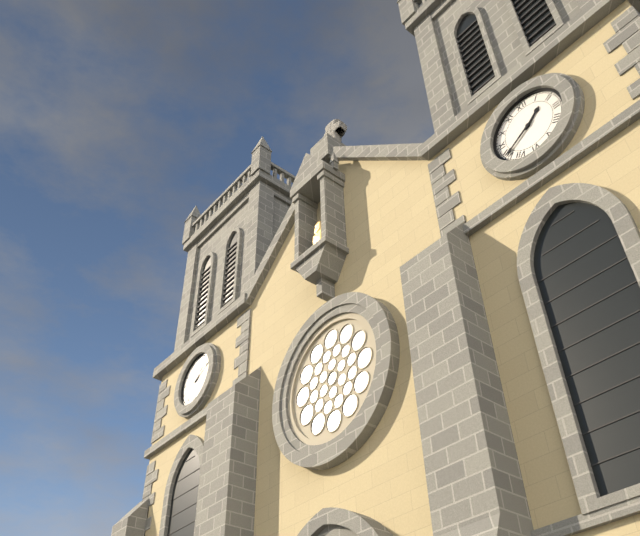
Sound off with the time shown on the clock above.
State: 1:40
